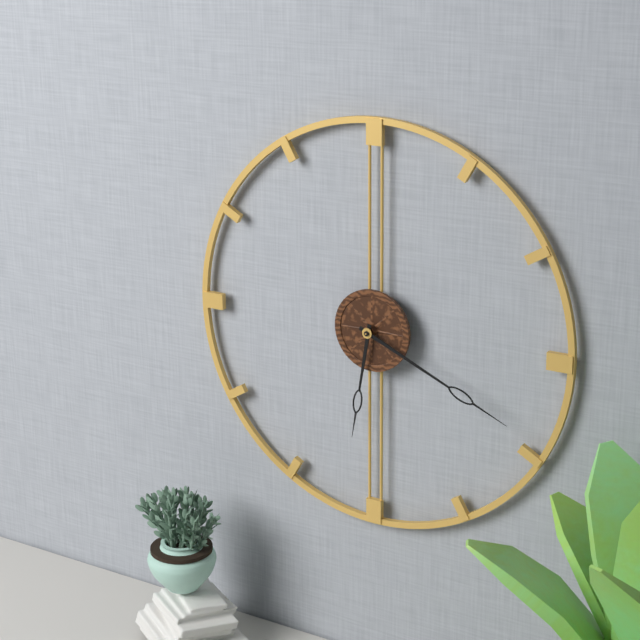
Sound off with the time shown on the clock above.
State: 6:19
